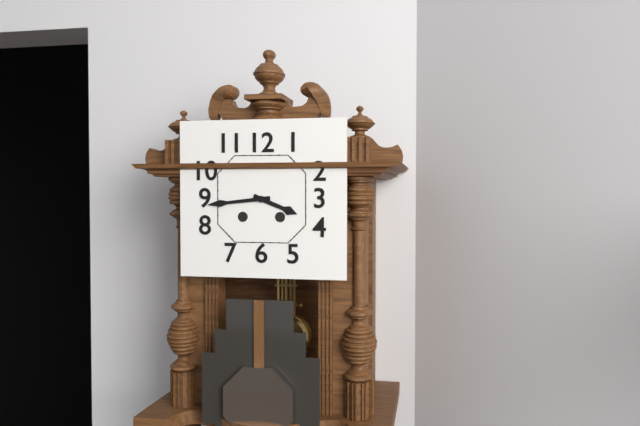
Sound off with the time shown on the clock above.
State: 3:44
